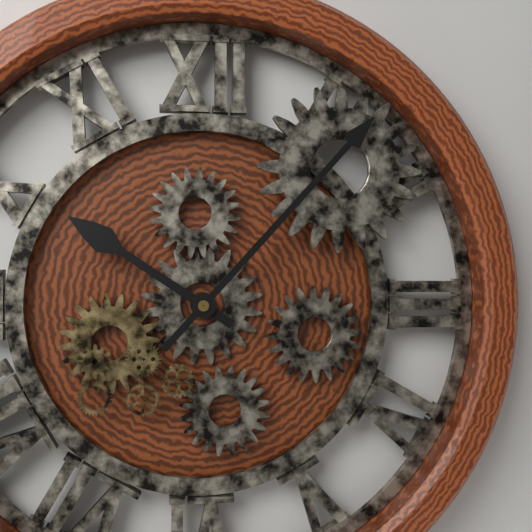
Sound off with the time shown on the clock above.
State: 10:07
